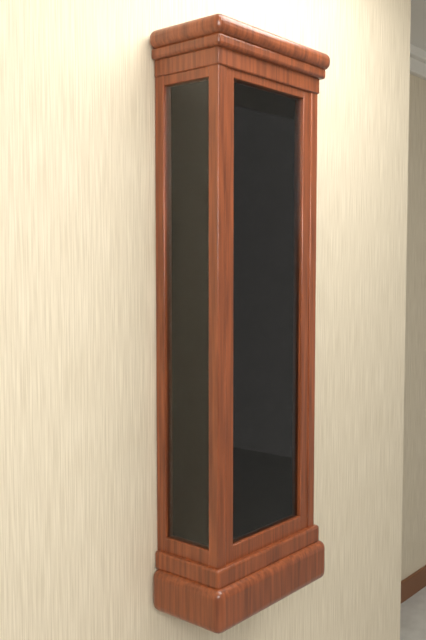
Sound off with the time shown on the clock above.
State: 2:02
